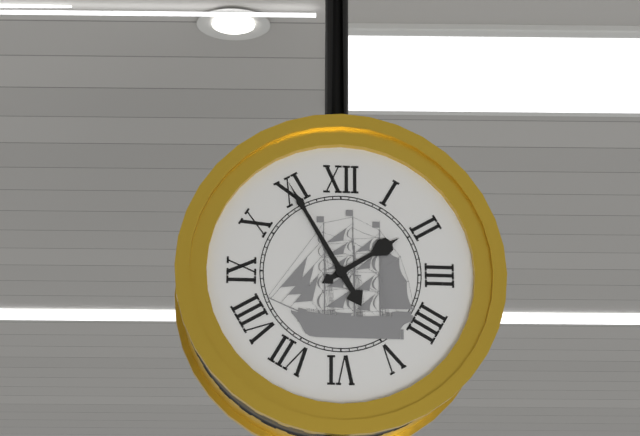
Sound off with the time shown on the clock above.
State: 1:55
